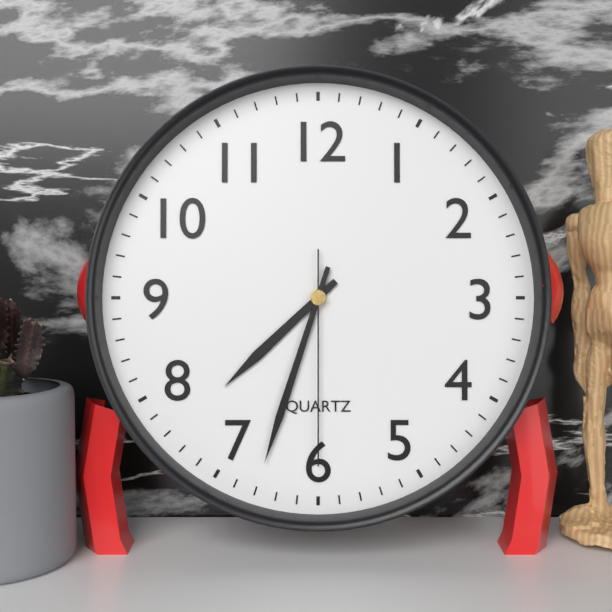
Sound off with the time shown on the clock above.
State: 7:33:30
